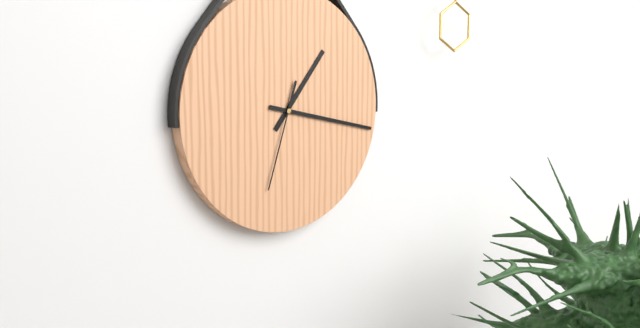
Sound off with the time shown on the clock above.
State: 1:17:33
